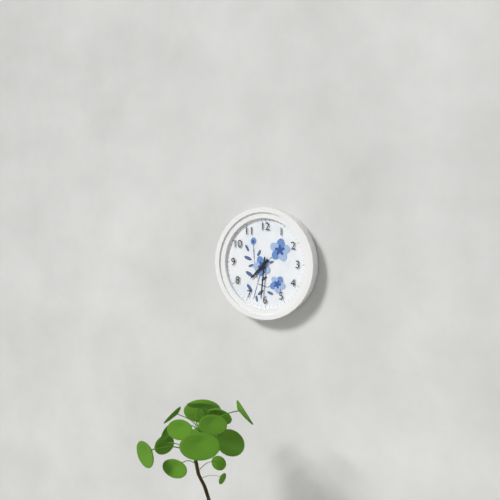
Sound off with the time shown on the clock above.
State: 7:31
